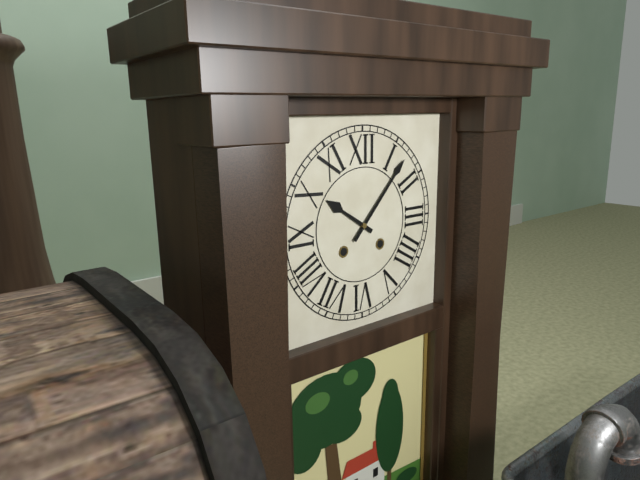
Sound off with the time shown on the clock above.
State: 10:07
